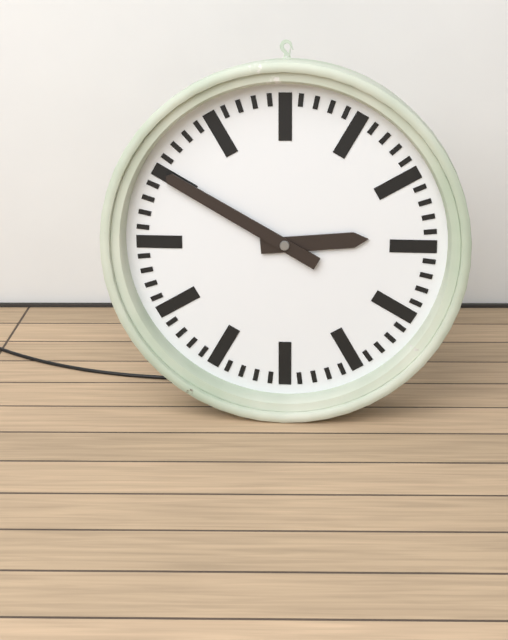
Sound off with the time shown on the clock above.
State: 2:50
